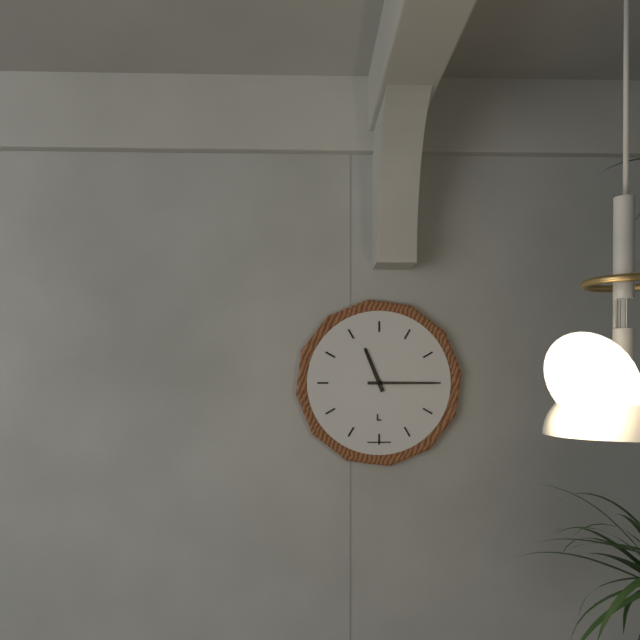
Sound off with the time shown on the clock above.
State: 11:15
